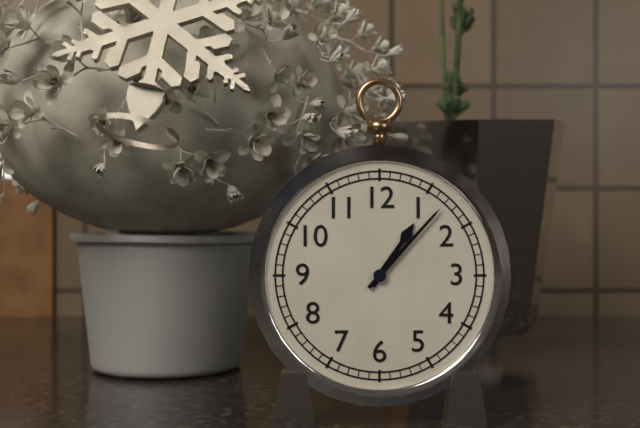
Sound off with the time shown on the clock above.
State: 1:07
